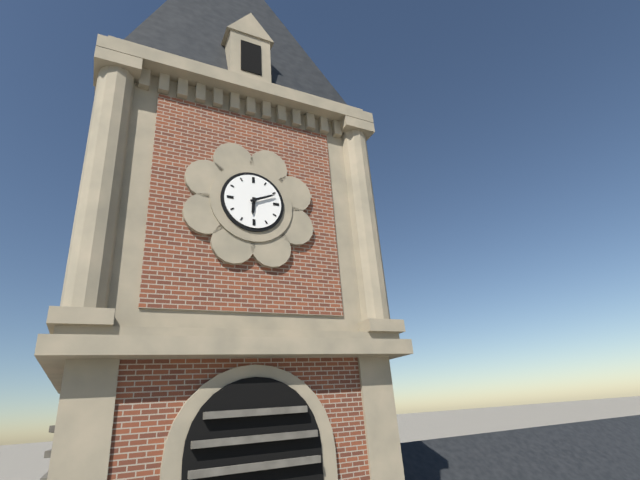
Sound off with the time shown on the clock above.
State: 6:11
